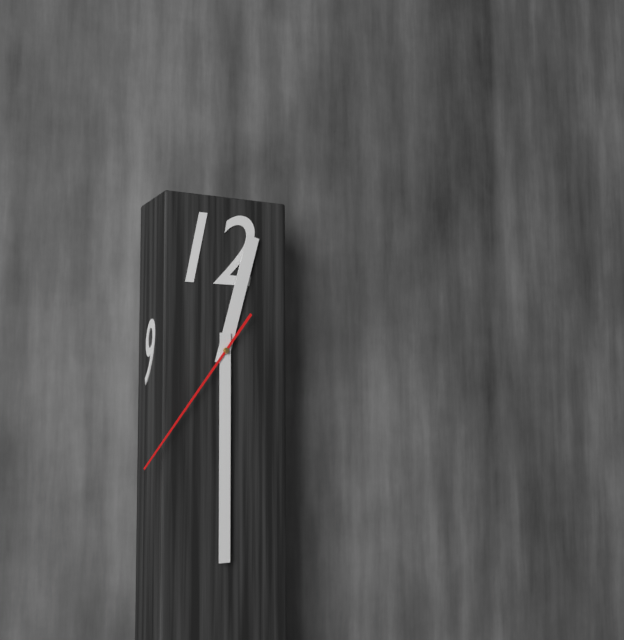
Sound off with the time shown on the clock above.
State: 12:30:36
